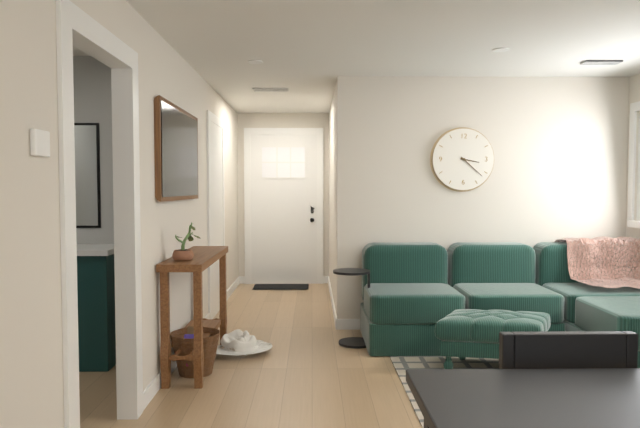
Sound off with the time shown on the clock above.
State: 3:22
